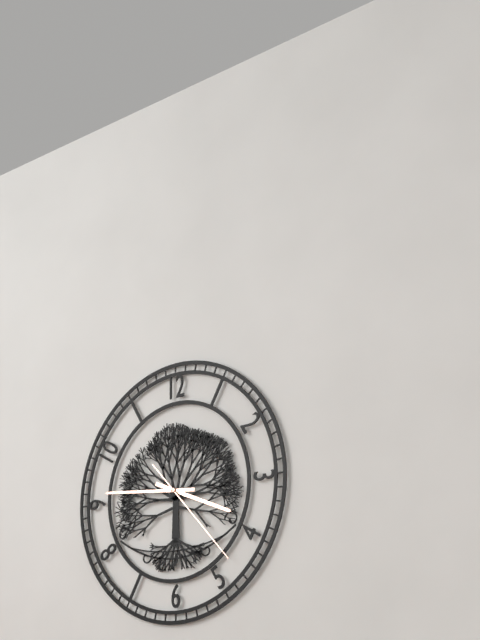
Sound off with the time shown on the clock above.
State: 3:46:23
